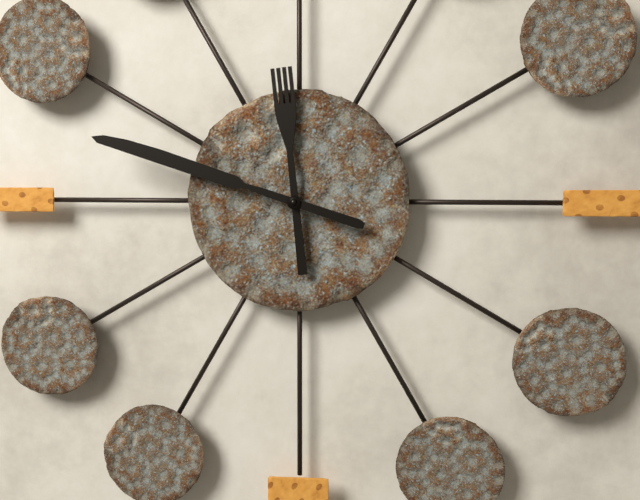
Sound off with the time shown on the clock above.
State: 11:48
